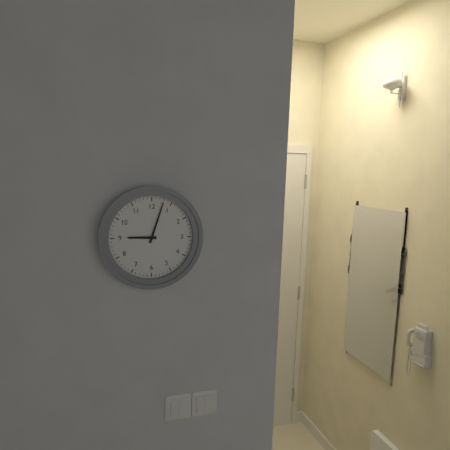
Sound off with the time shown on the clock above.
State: 9:03
